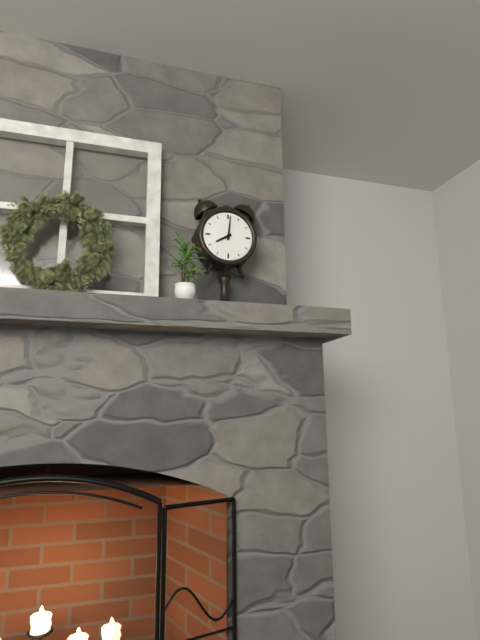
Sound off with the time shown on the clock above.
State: 8:01
